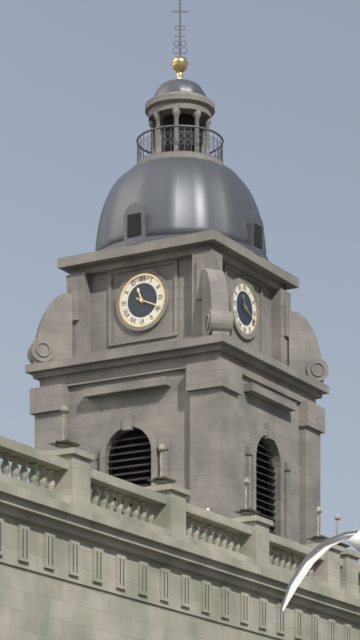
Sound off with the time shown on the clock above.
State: 11:19
